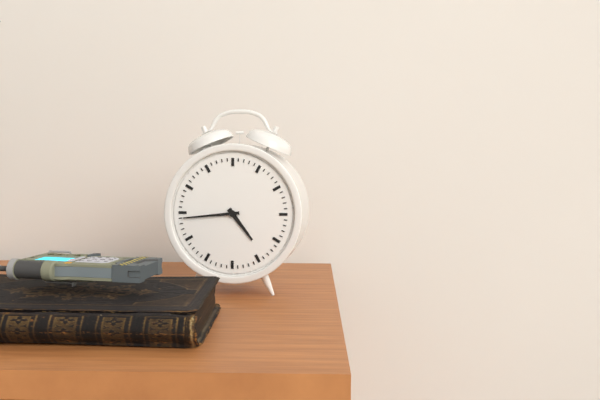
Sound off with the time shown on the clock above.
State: 4:44
